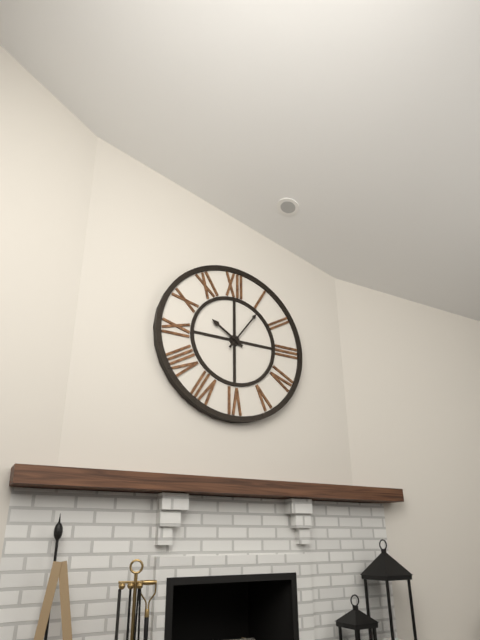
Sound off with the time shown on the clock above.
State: 10:06
